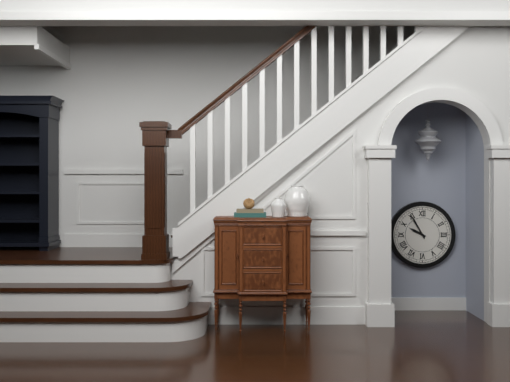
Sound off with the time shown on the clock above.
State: 9:55
